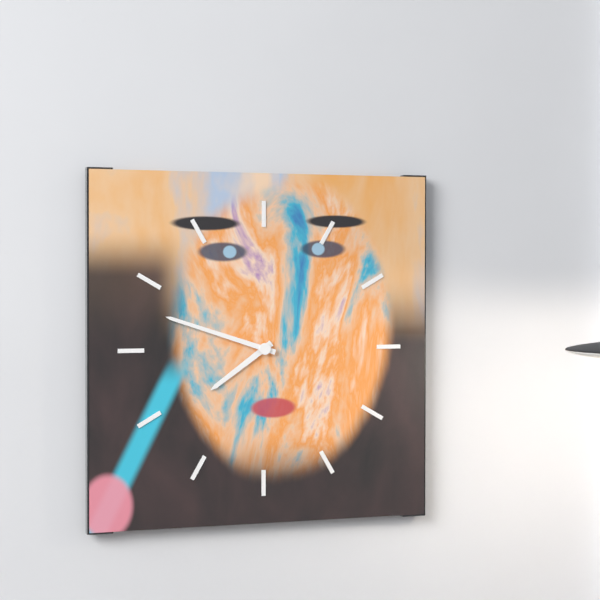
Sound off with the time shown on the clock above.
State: 7:48
